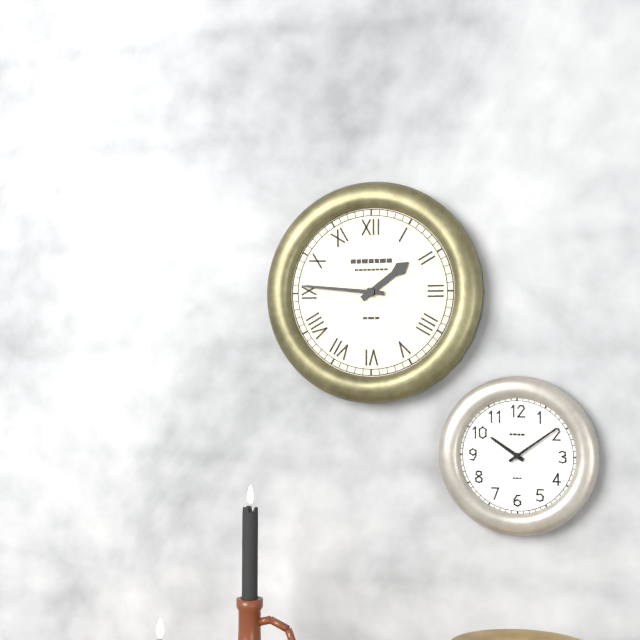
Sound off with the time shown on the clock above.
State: 1:46
